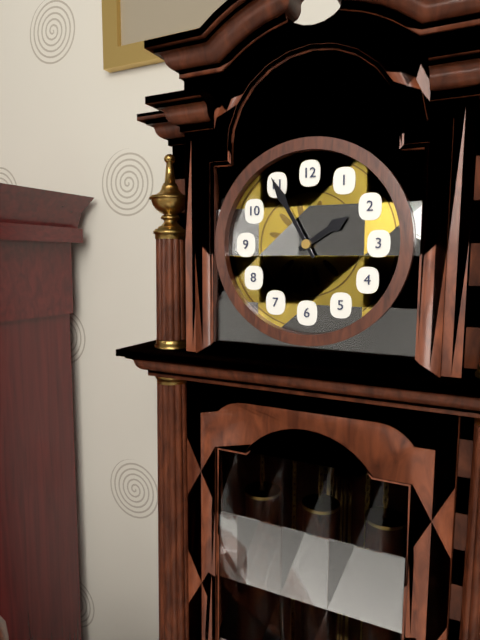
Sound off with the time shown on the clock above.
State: 1:55
